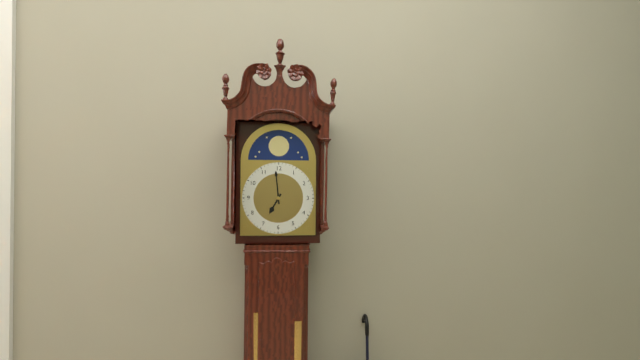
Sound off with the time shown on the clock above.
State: 6:59
